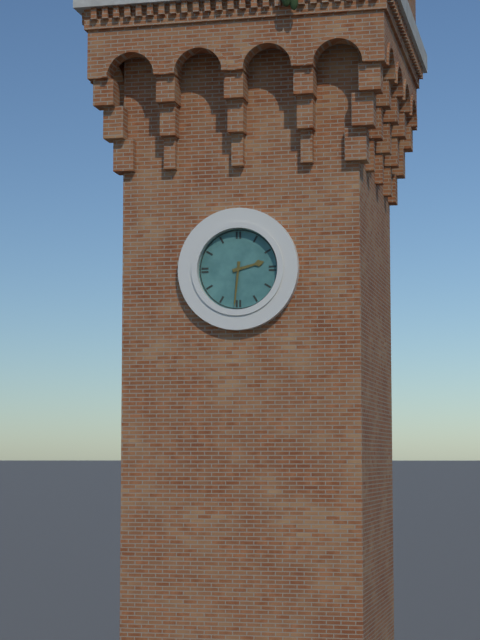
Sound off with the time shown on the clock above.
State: 2:31
